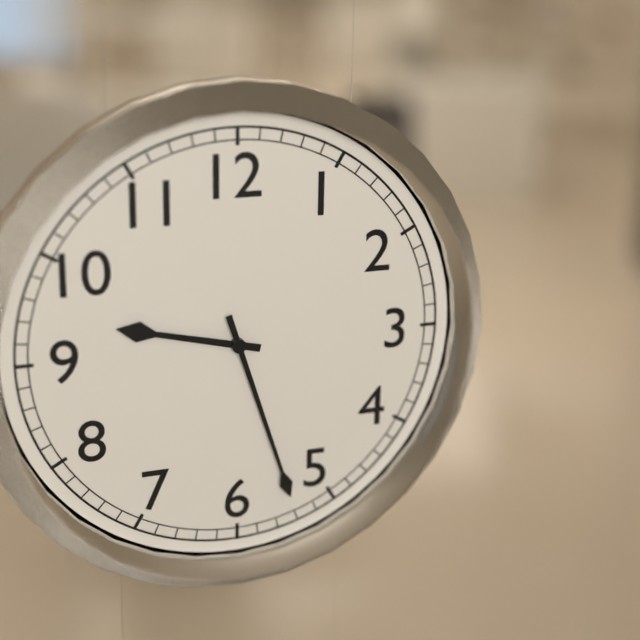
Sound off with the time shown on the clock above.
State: 9:27
